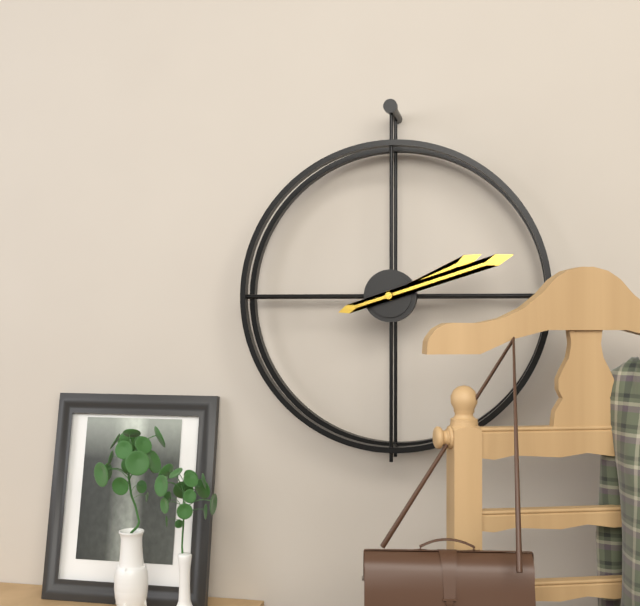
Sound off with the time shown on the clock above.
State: 2:12
